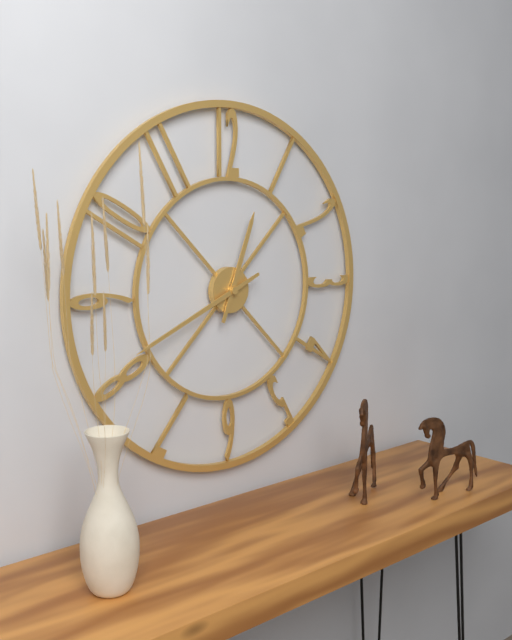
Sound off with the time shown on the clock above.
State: 12:41
